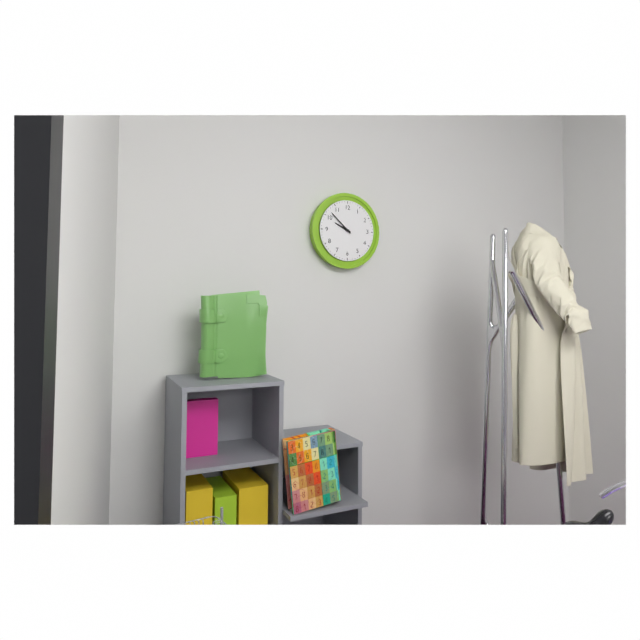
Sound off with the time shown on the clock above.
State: 9:52
